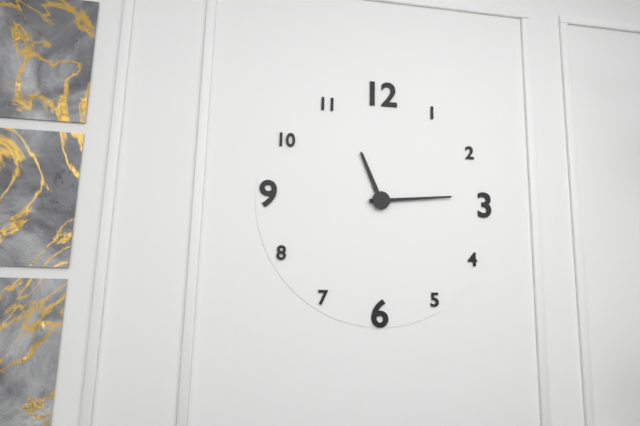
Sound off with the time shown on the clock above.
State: 11:14
